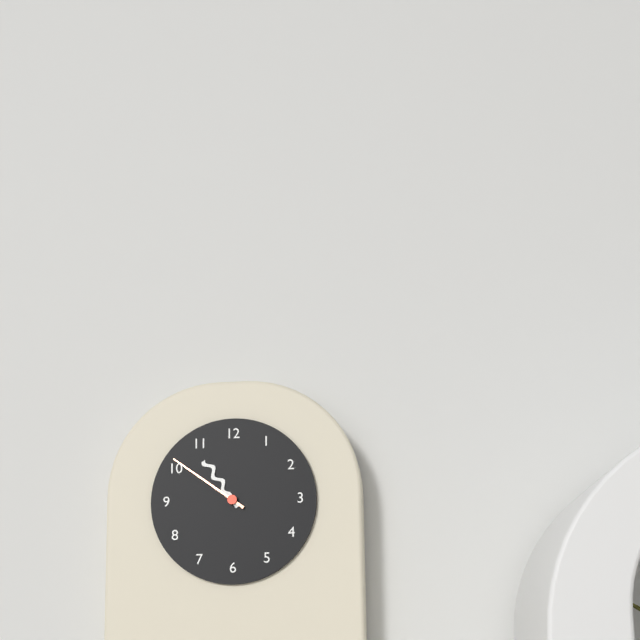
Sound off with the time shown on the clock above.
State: 10:51
